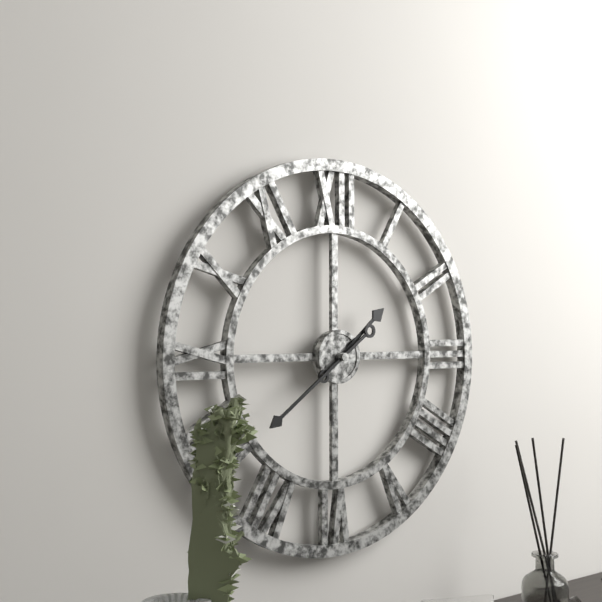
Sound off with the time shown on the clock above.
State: 1:39
